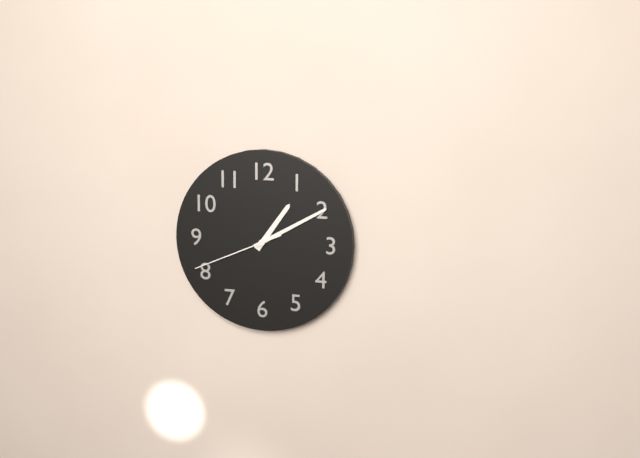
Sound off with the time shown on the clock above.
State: 1:10:41
